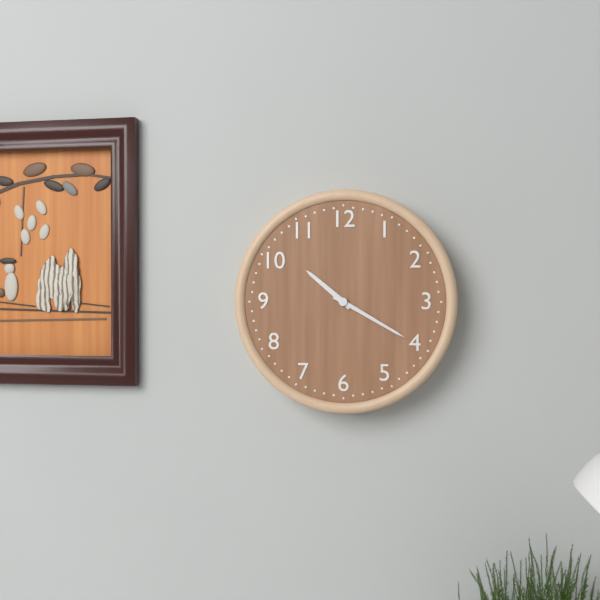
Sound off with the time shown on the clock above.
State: 10:20
